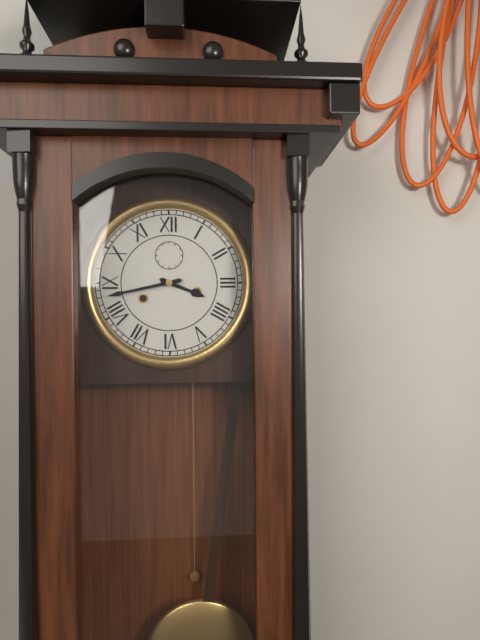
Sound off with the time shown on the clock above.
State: 3:43
